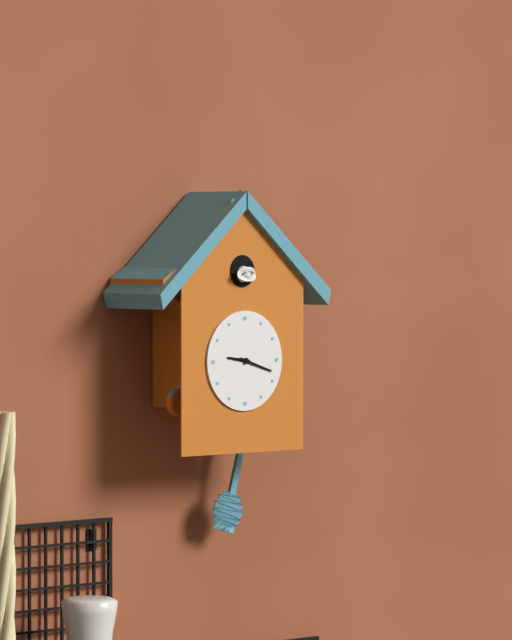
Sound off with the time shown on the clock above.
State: 9:18
